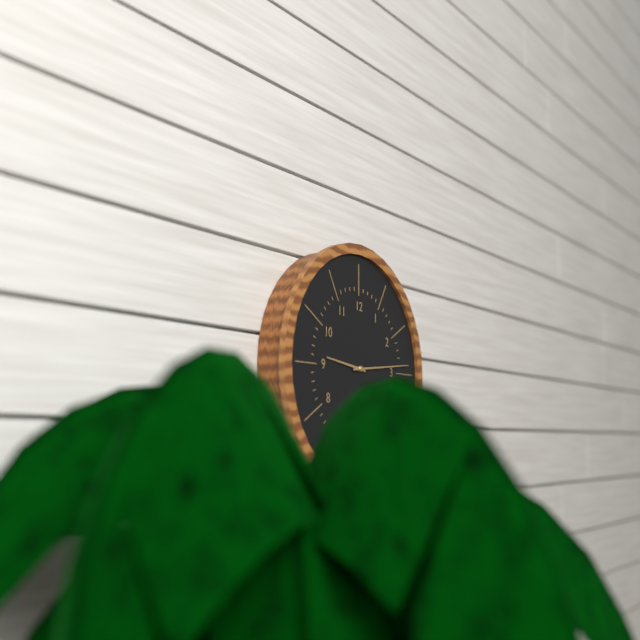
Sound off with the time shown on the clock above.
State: 9:14
